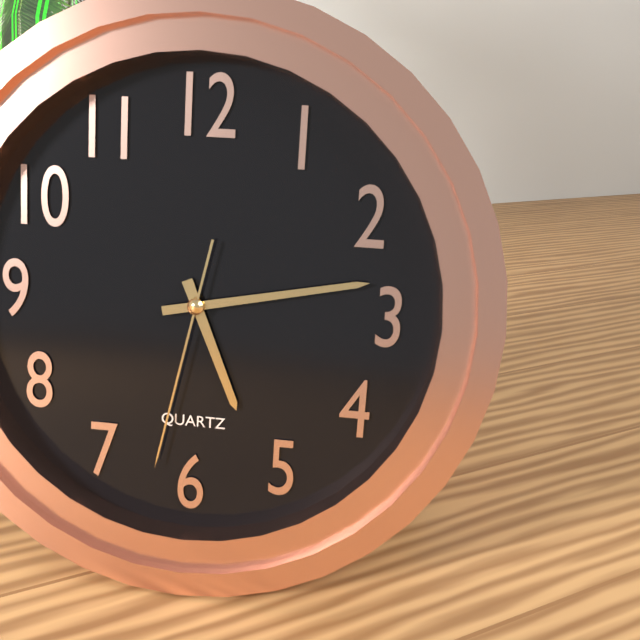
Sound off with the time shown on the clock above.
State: 5:13:32
